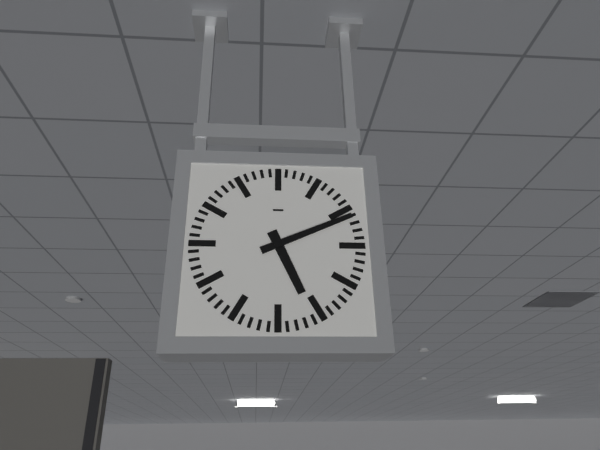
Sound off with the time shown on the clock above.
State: 5:11
